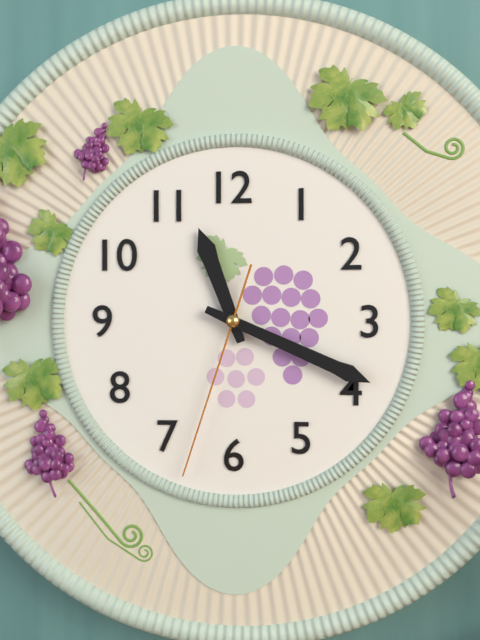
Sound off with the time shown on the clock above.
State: 11:19:33
